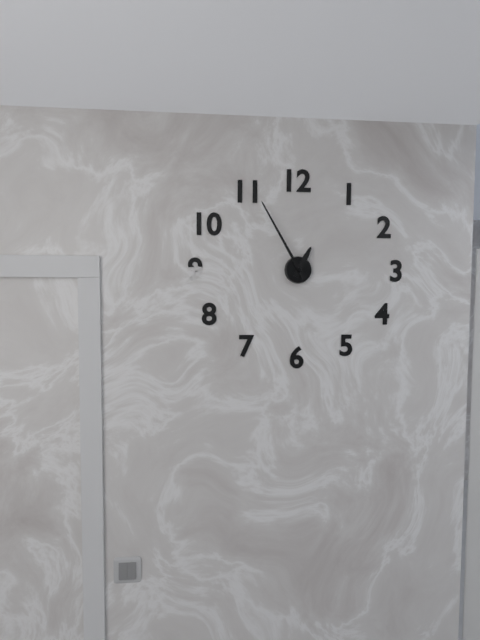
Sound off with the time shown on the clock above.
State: 12:55
